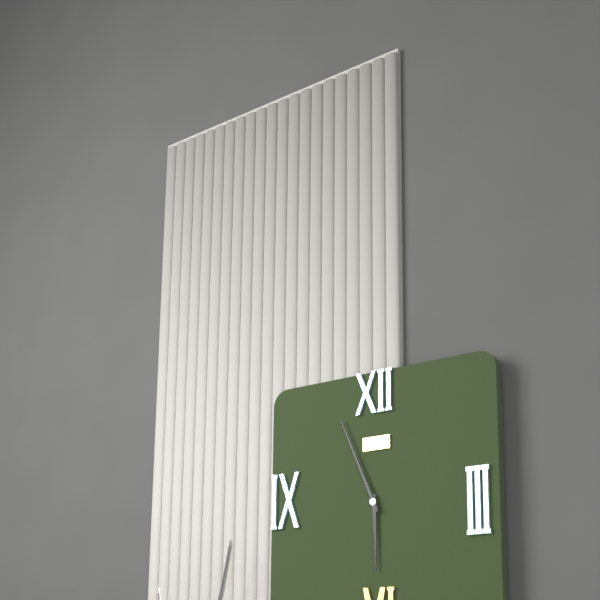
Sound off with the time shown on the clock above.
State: 5:56
